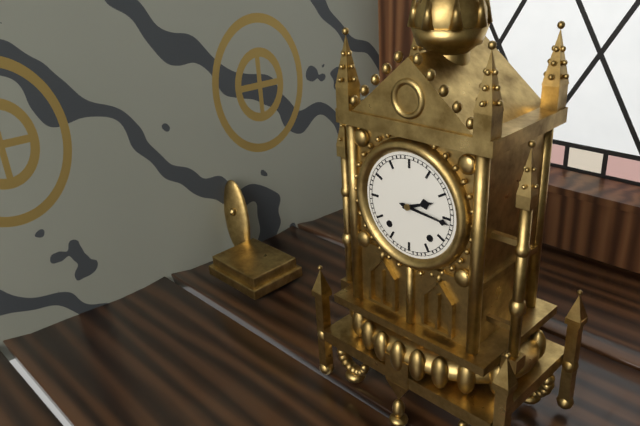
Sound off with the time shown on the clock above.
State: 2:16
